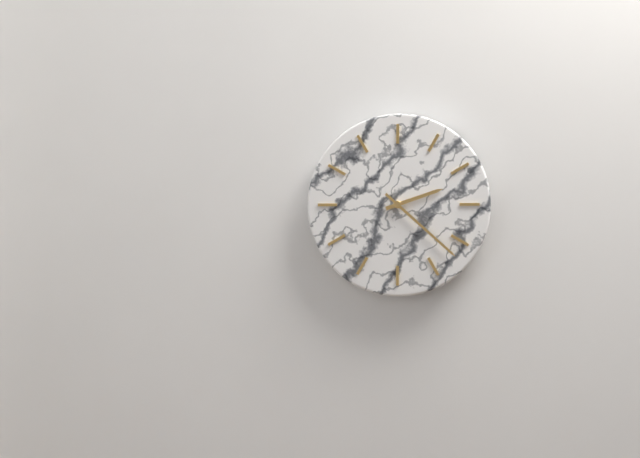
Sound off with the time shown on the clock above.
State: 2:22
